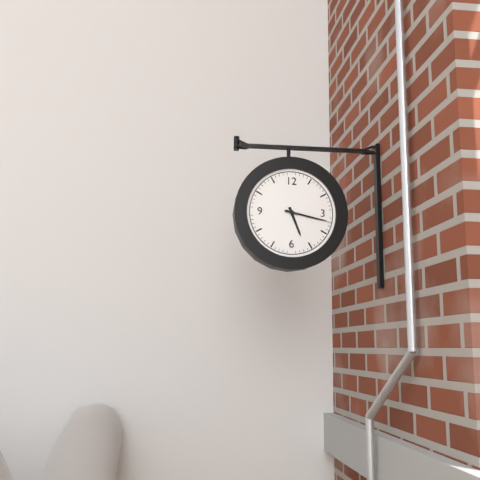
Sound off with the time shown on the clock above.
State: 5:17
